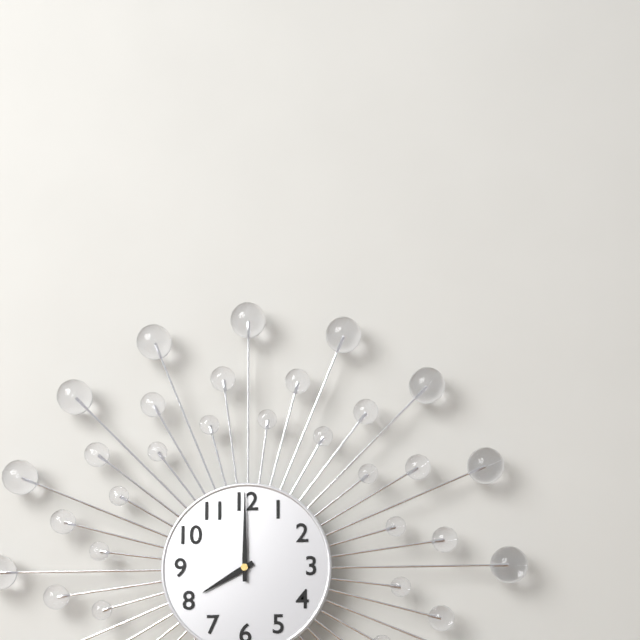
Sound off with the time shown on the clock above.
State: 8:00
